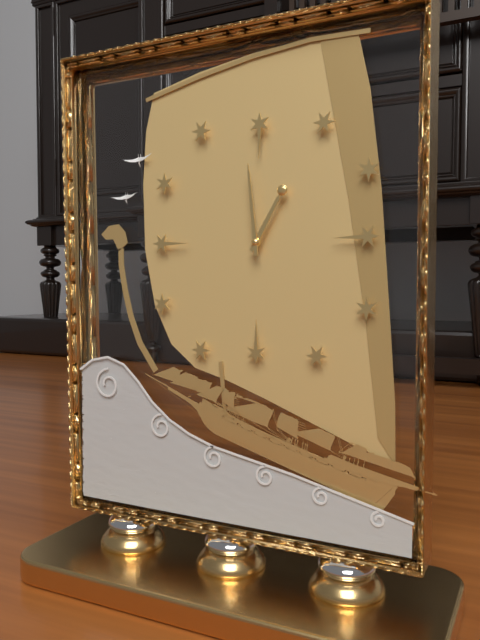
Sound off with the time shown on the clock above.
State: 12:59
